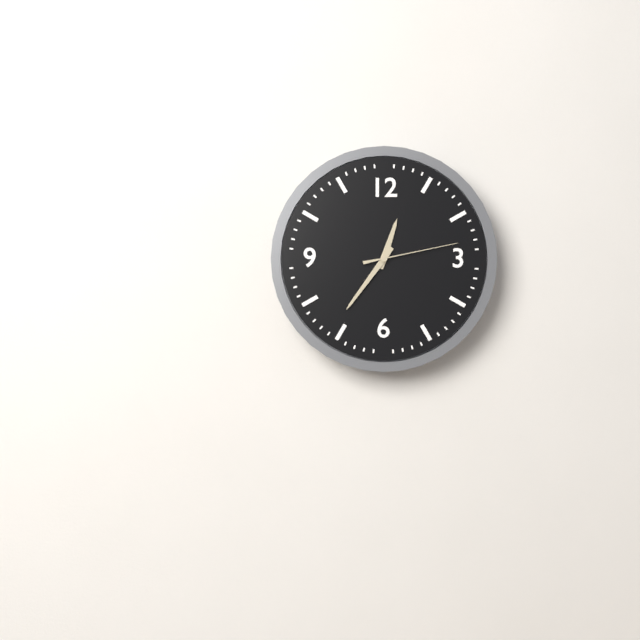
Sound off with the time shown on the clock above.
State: 12:36:13
